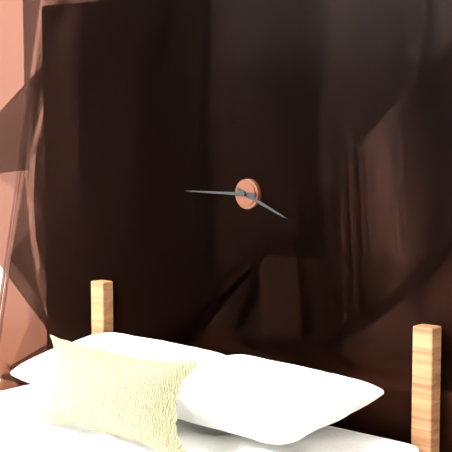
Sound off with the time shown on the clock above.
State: 3:45
